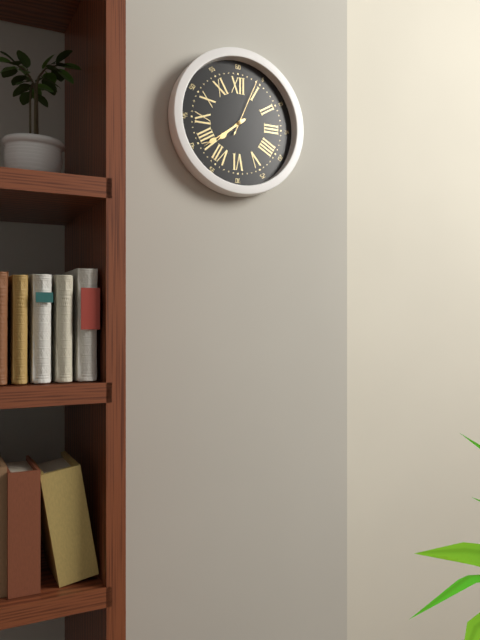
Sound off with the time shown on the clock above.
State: 7:39:04
